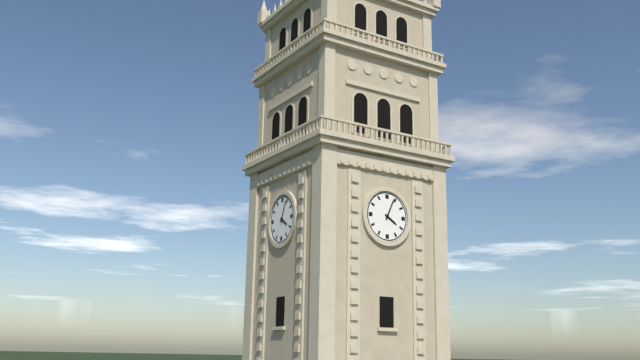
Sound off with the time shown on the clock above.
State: 4:04
